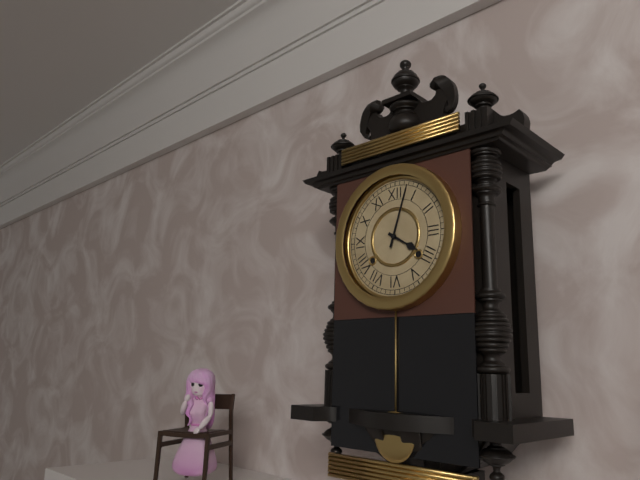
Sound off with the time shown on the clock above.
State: 4:03
